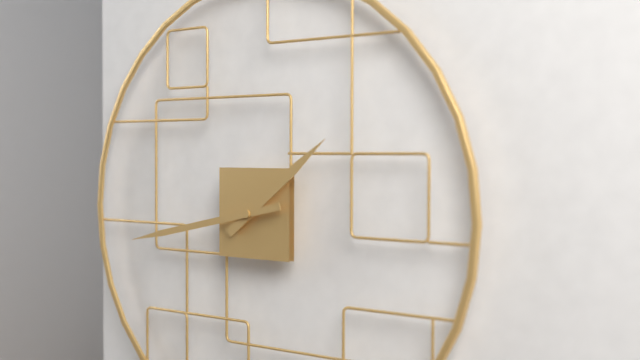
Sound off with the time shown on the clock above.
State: 1:43
